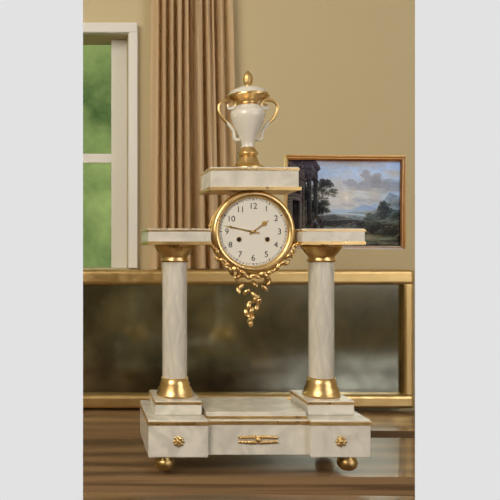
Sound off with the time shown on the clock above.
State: 1:47
